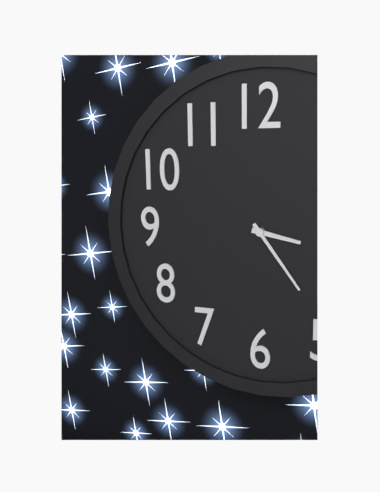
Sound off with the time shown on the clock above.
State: 3:24
